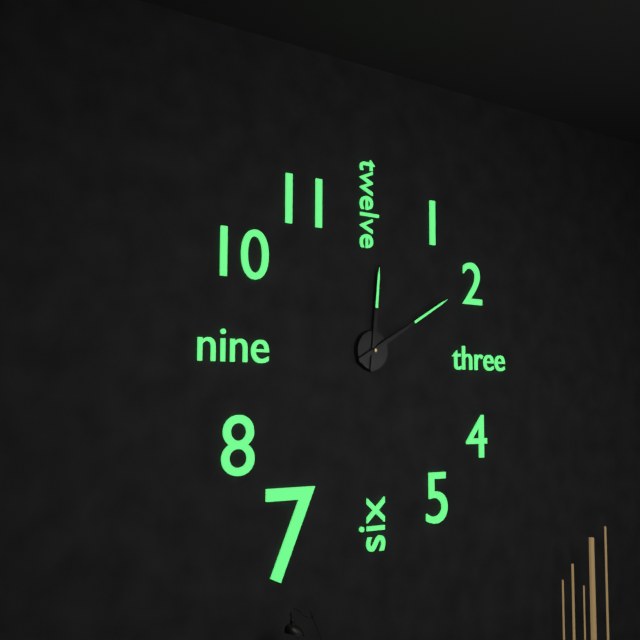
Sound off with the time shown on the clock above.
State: 12:10
